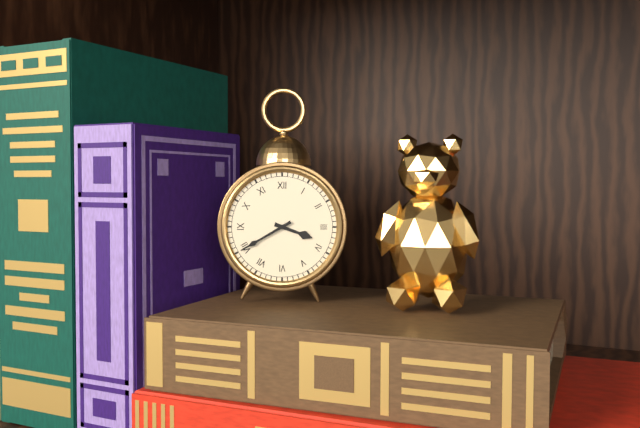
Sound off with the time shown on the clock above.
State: 3:40
